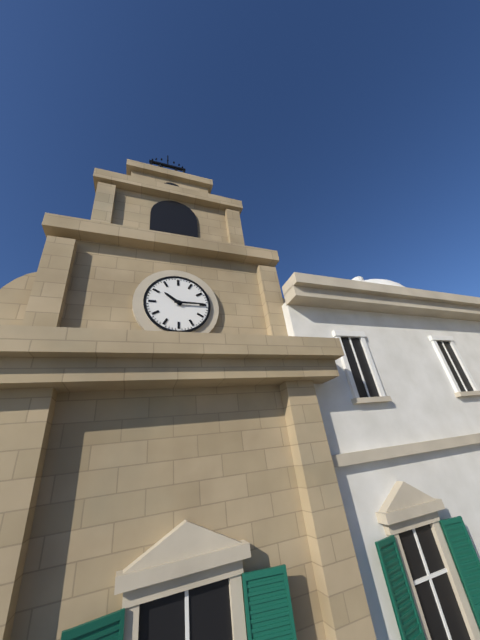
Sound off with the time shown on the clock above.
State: 10:15
